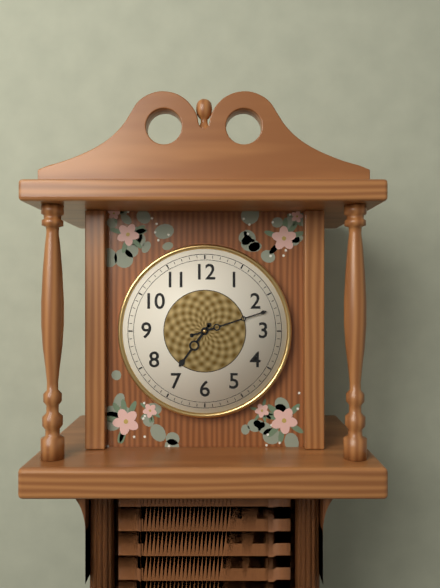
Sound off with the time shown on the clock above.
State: 7:12
